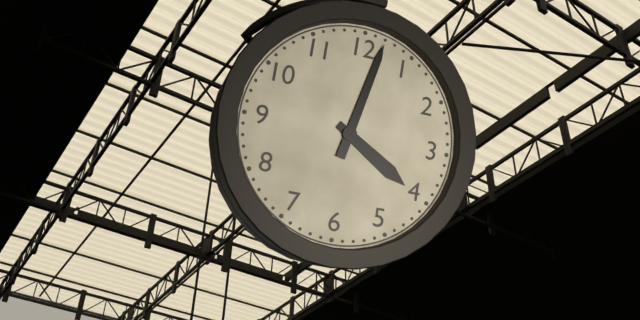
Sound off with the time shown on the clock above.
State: 4:02
